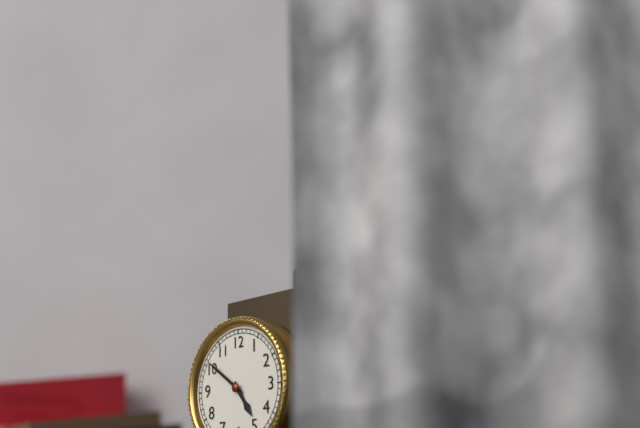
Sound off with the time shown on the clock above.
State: 4:51
